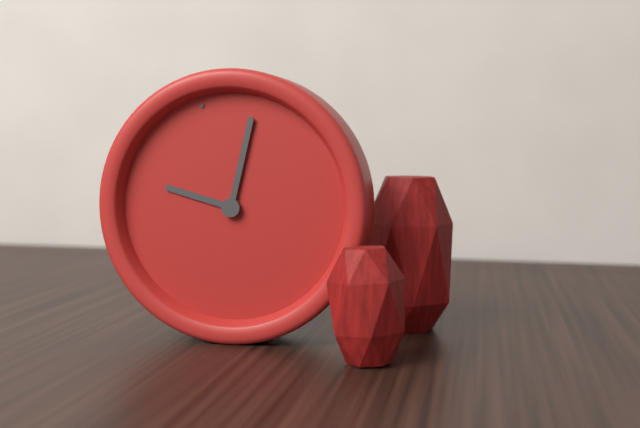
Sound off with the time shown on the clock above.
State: 10:05
